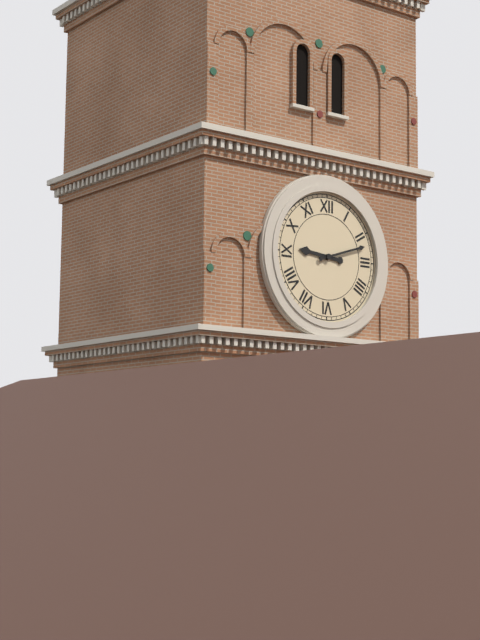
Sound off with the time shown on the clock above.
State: 9:12
